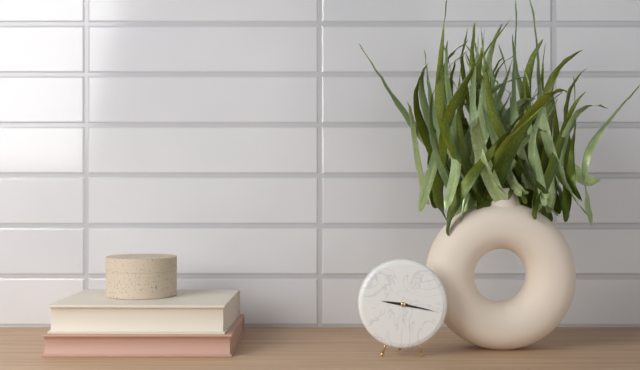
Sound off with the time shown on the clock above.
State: 9:17
